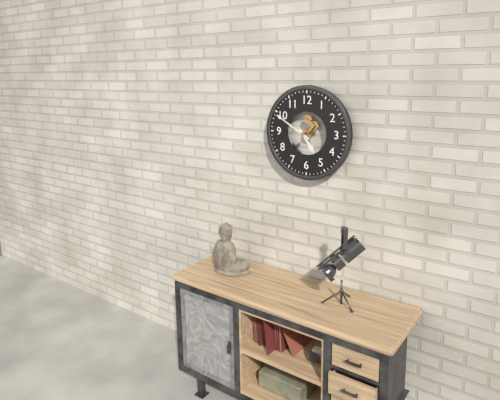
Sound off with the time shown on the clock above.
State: 4:50
